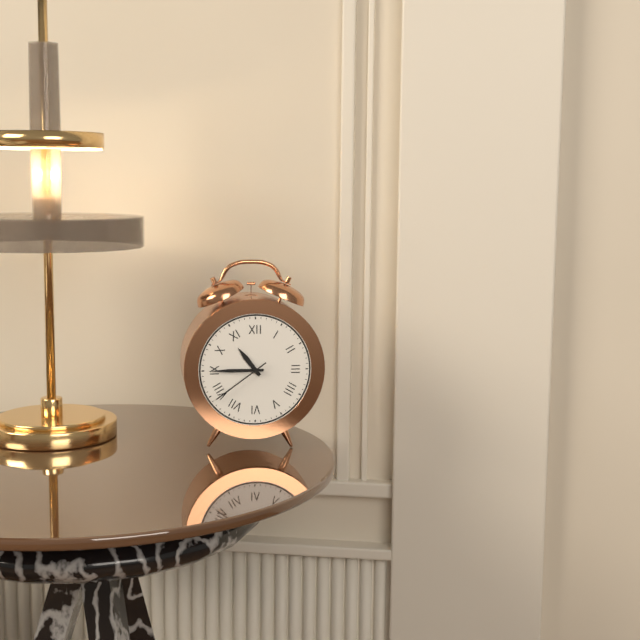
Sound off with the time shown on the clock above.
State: 10:45:39
